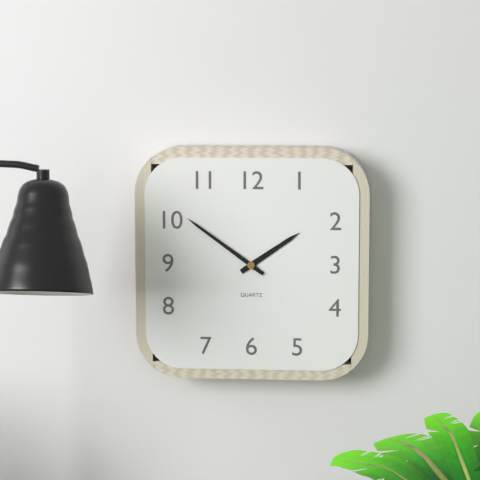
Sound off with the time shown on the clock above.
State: 1:51
